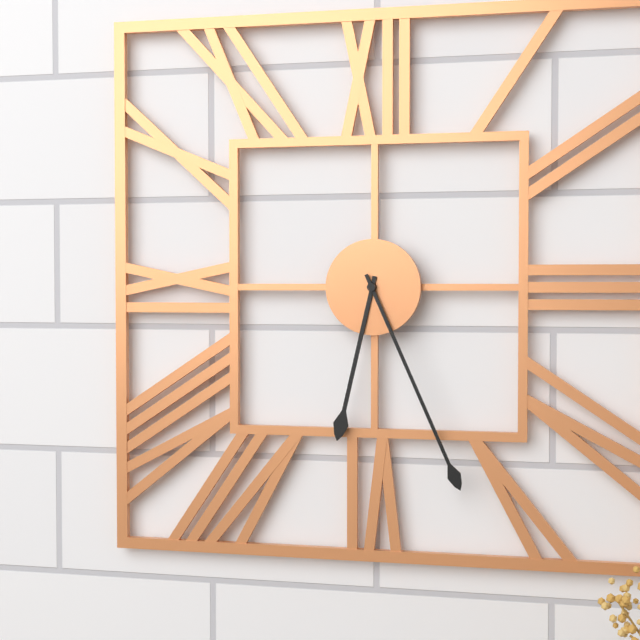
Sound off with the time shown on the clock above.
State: 6:26
